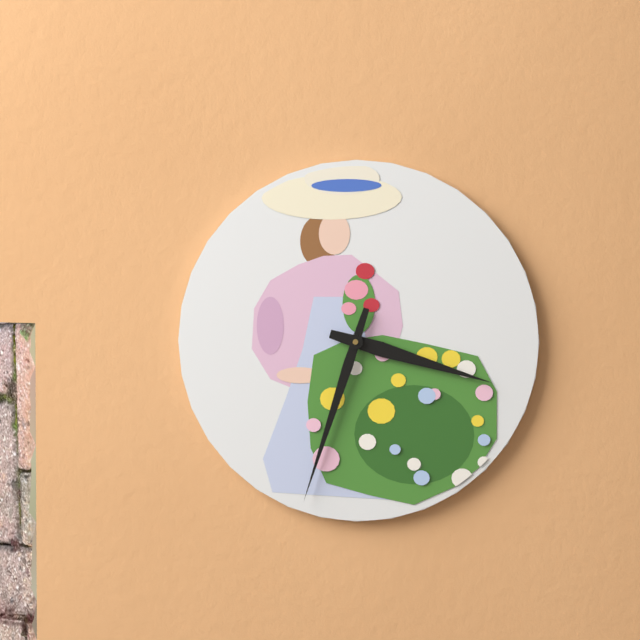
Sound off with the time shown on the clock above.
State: 3:33
